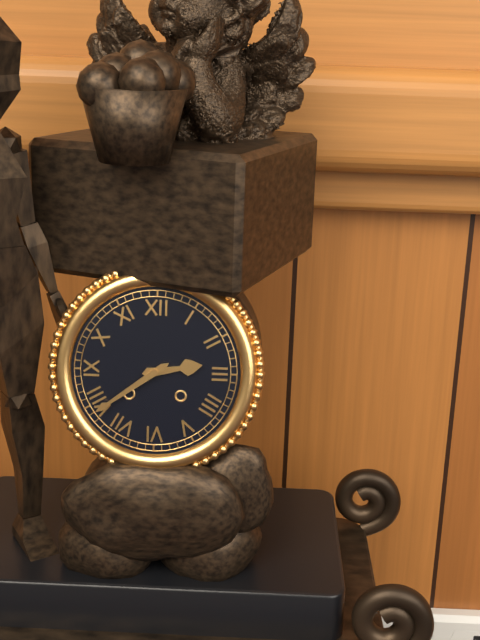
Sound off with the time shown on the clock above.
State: 2:39
